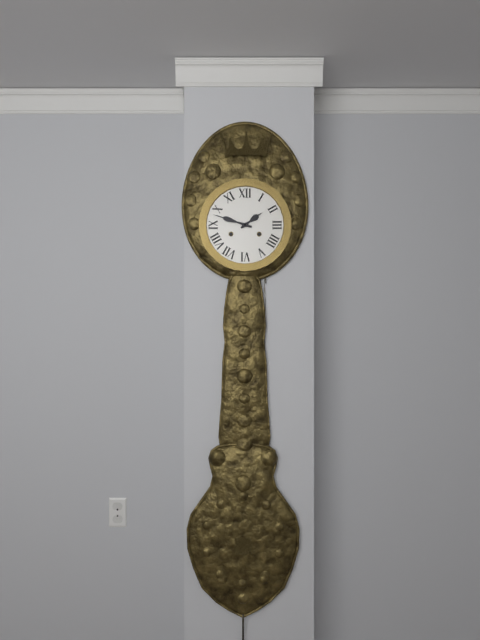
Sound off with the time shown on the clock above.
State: 1:48
